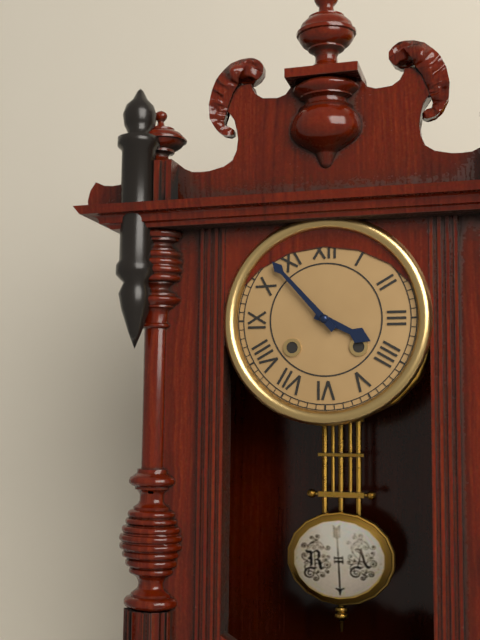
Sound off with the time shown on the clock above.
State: 3:53
